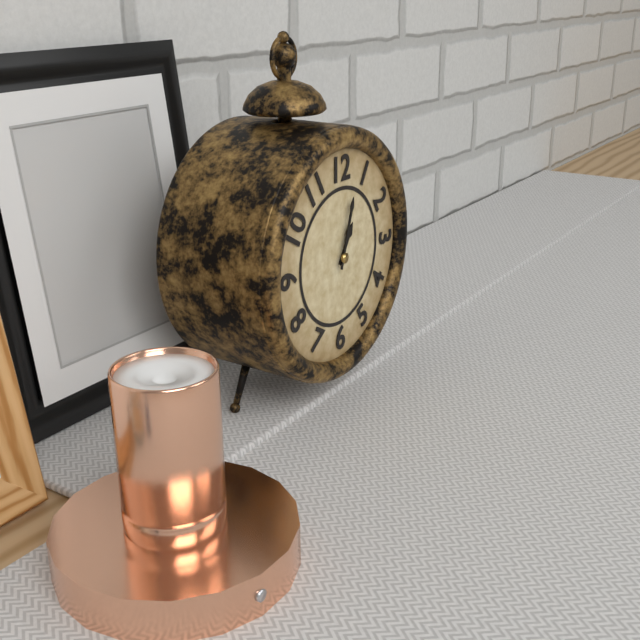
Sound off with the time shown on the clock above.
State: 1:03
